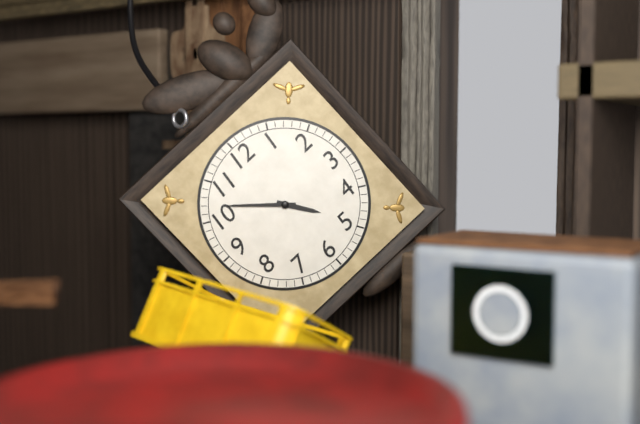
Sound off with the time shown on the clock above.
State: 4:52
